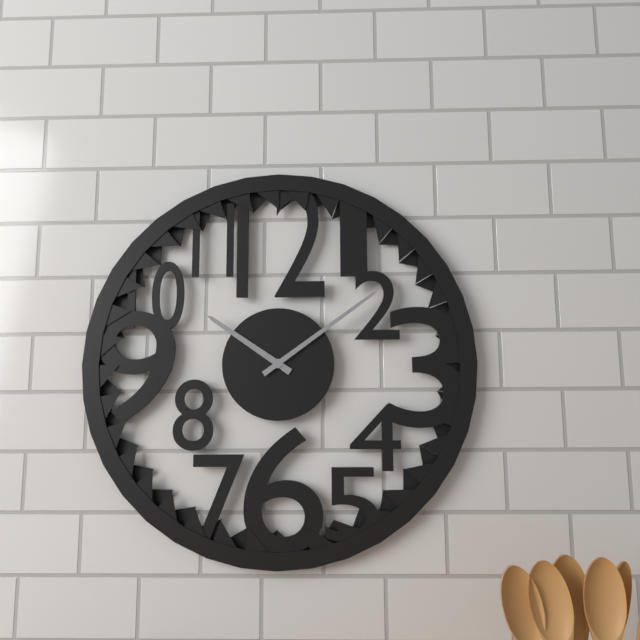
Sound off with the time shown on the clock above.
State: 10:09
